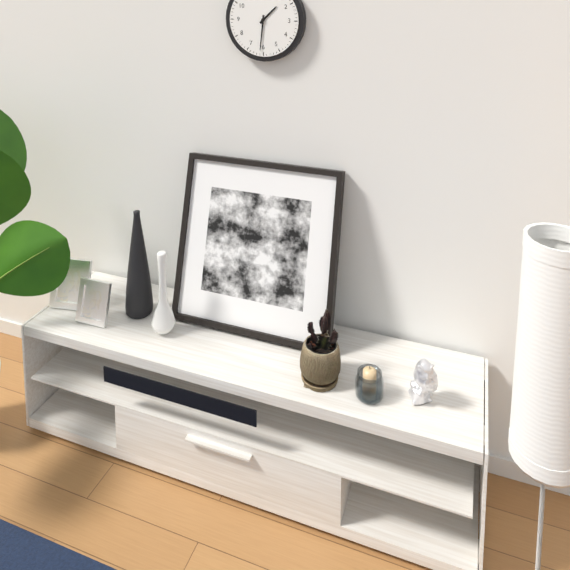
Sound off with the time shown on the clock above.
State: 1:31
